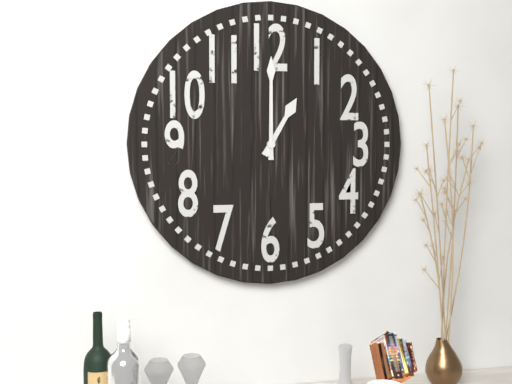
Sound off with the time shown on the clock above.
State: 1:00
